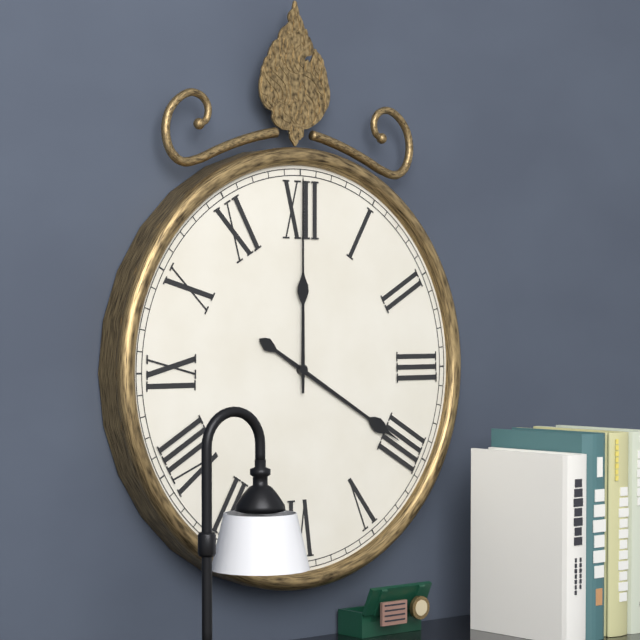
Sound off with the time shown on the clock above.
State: 4:00
